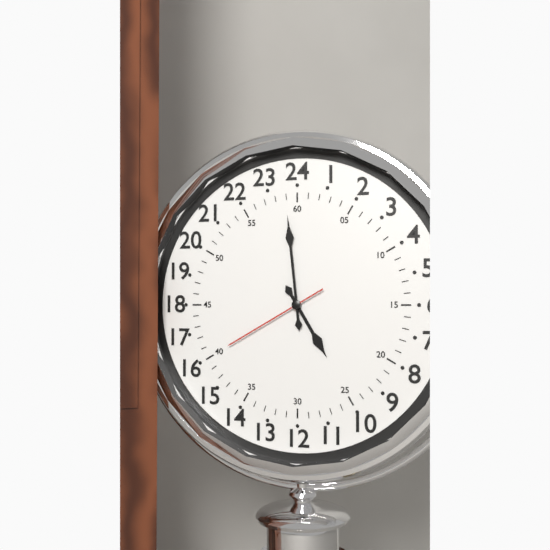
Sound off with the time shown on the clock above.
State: 4:59:40
